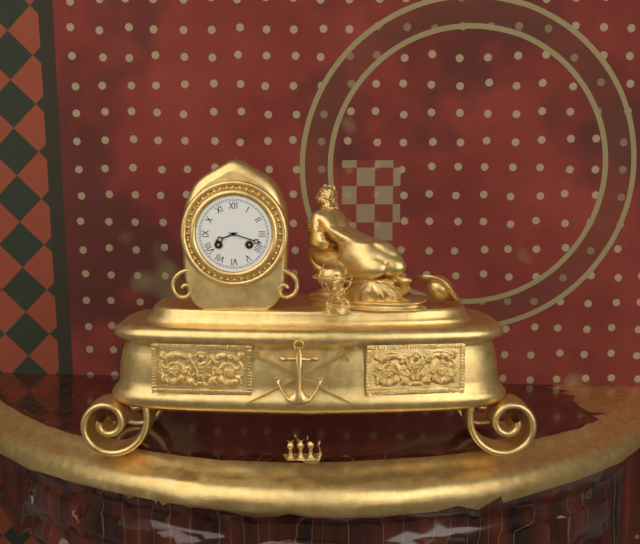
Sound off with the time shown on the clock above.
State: 8:18
